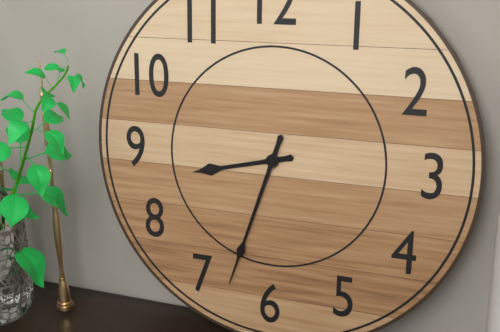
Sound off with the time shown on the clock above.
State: 8:33
